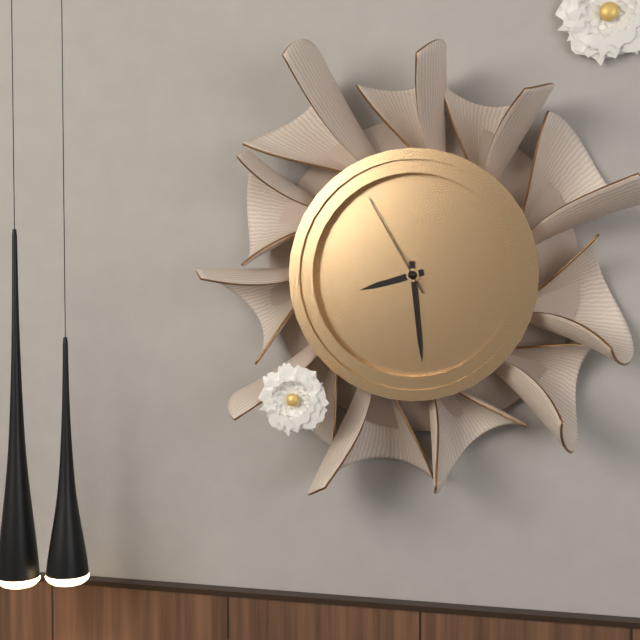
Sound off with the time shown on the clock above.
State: 8:29:55
